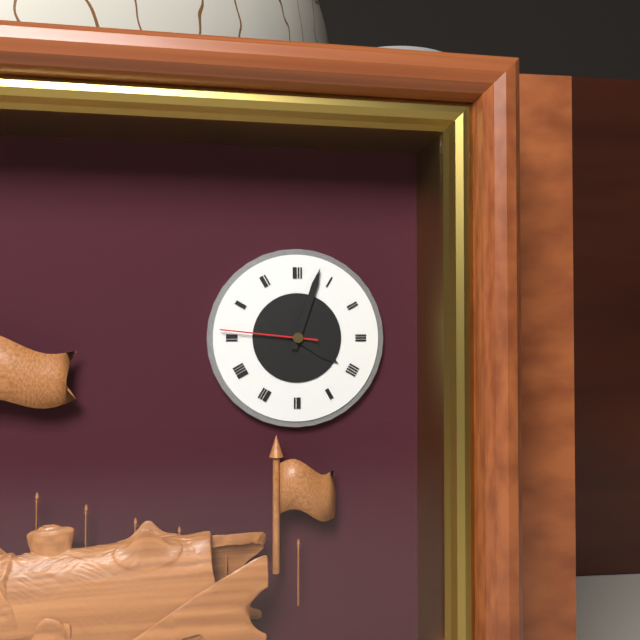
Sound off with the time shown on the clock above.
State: 4:03:46
